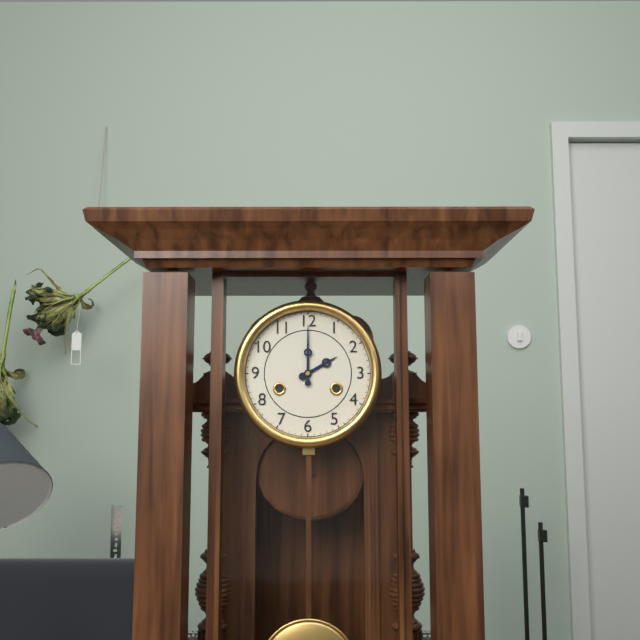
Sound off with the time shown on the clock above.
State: 2:00
